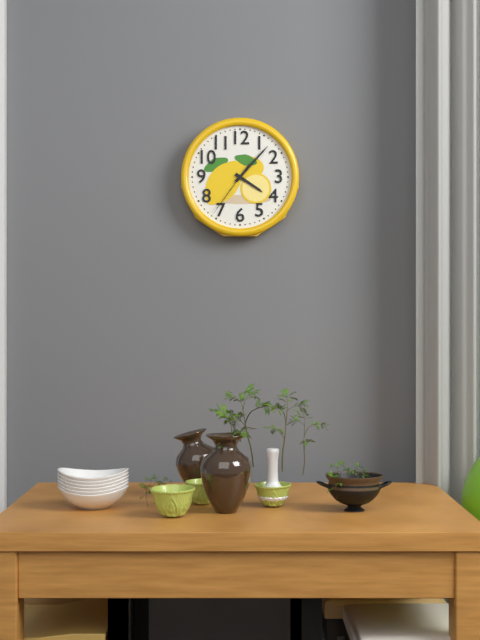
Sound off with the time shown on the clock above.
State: 4:07:36
